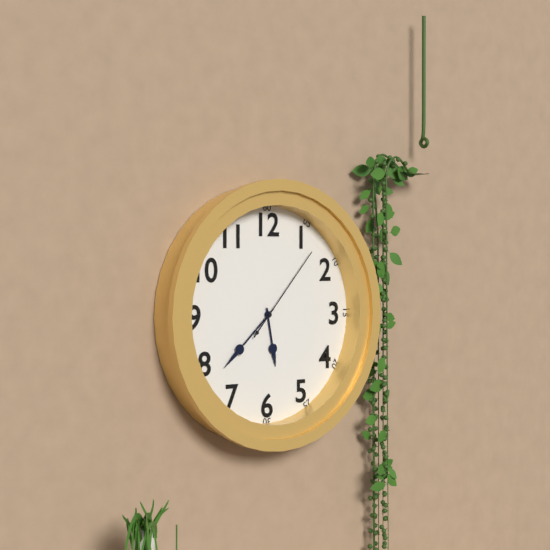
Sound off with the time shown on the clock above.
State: 5:38:07
